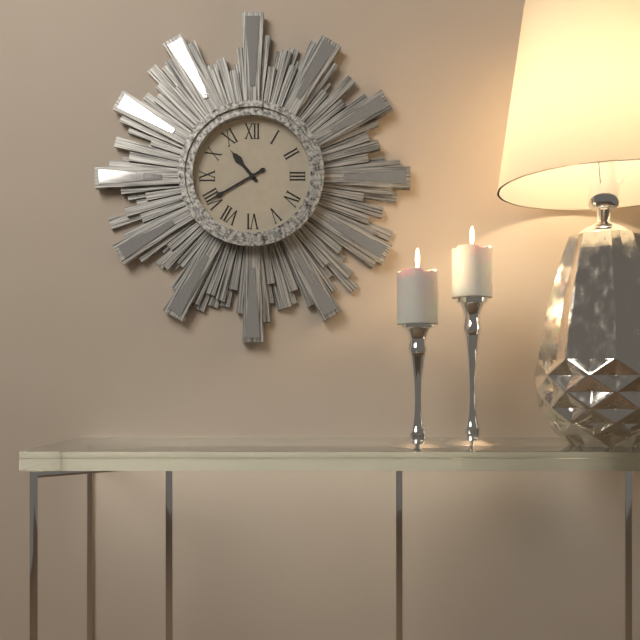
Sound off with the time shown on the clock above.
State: 10:40
